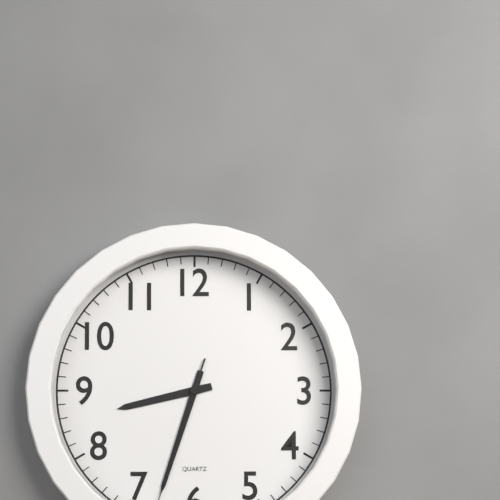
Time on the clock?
8:33
